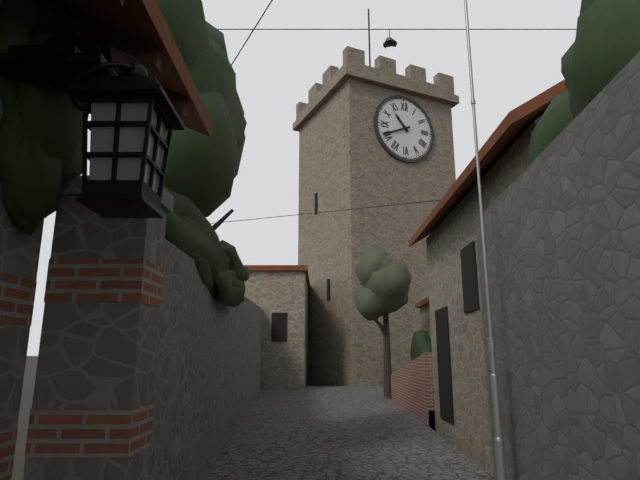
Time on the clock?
10:41
